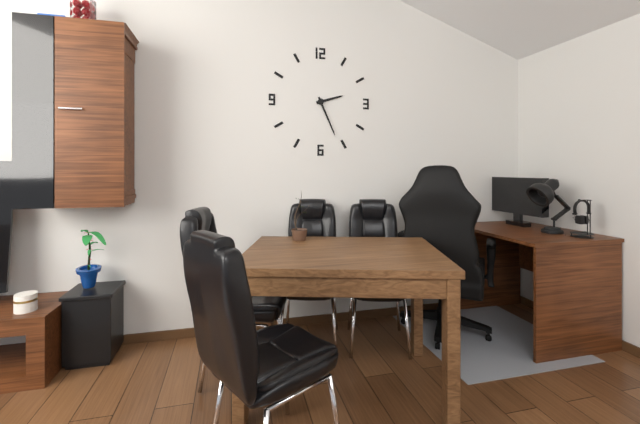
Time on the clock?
2:26
